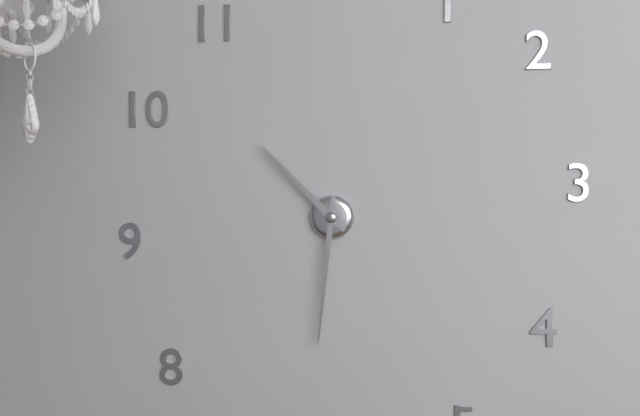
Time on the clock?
10:31
